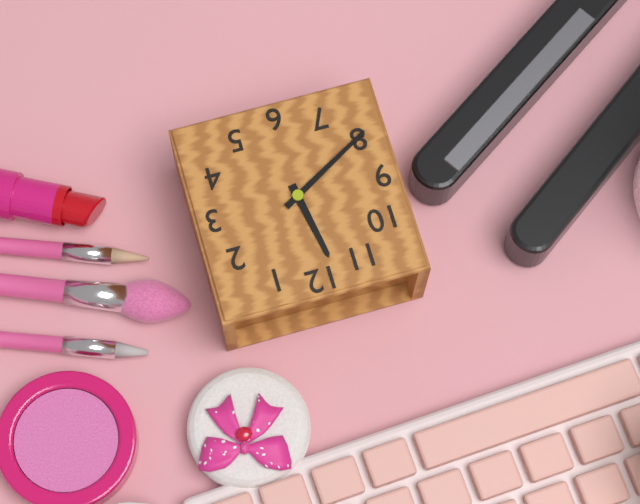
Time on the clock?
11:40
